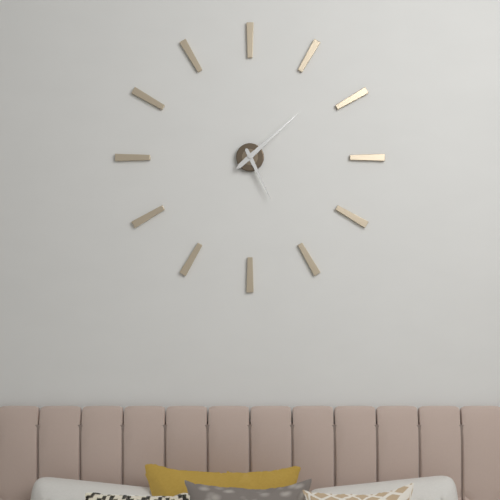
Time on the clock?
5:08
